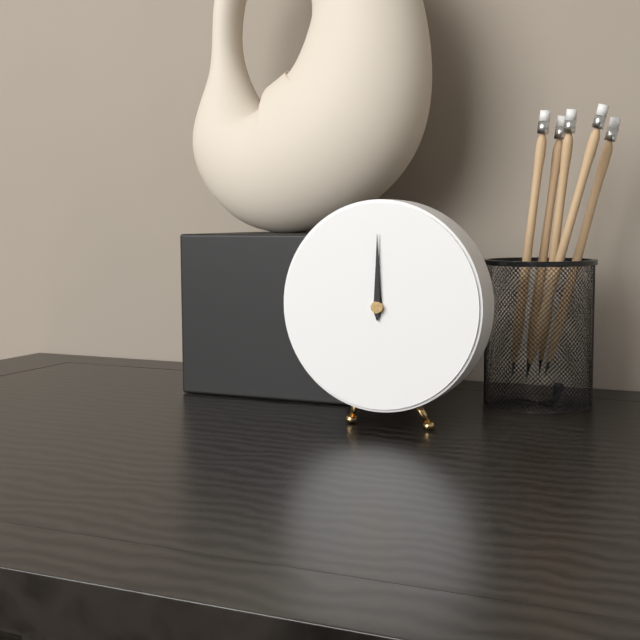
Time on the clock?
12:00
